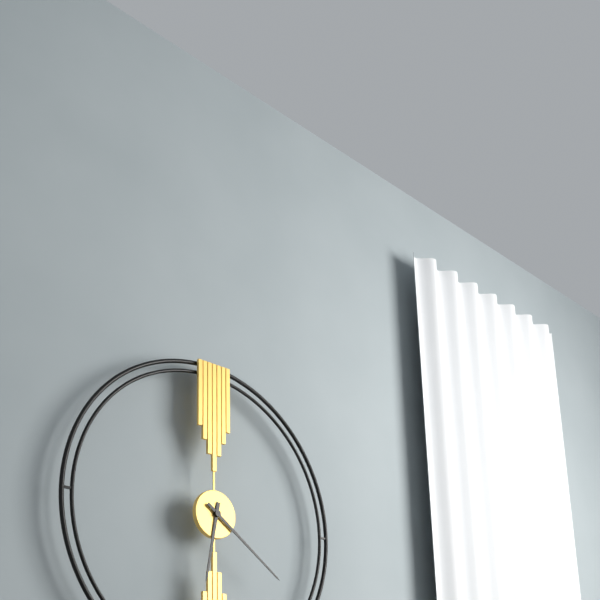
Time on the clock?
6:21
